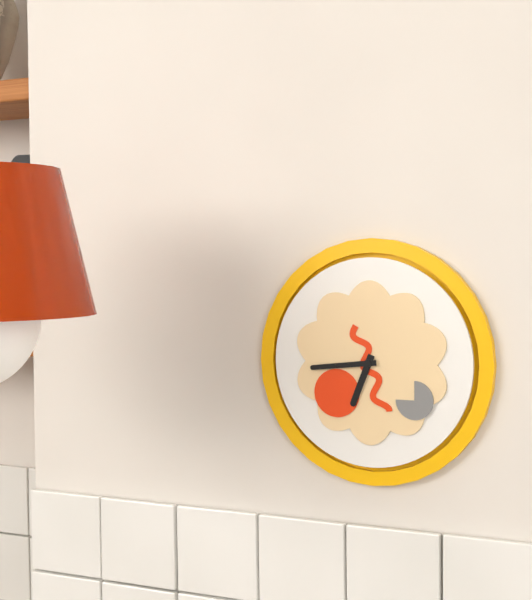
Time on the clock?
6:44
